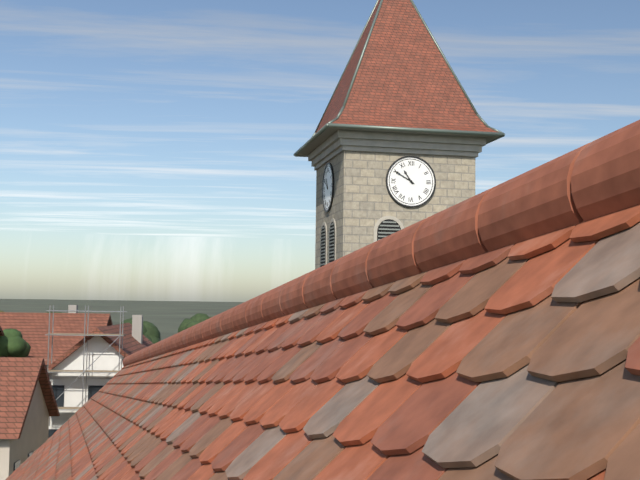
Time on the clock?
10:50
